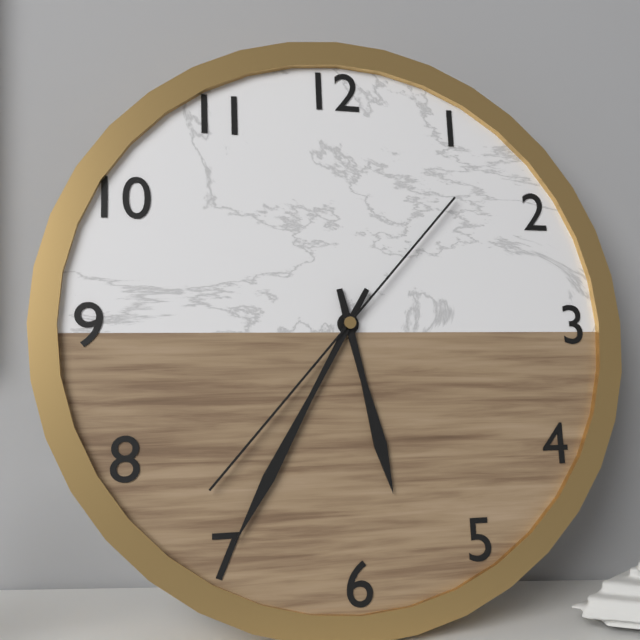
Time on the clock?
5:35:37
